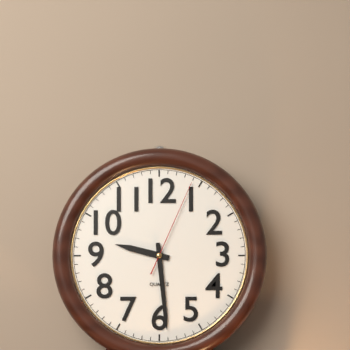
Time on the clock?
9:29:04
